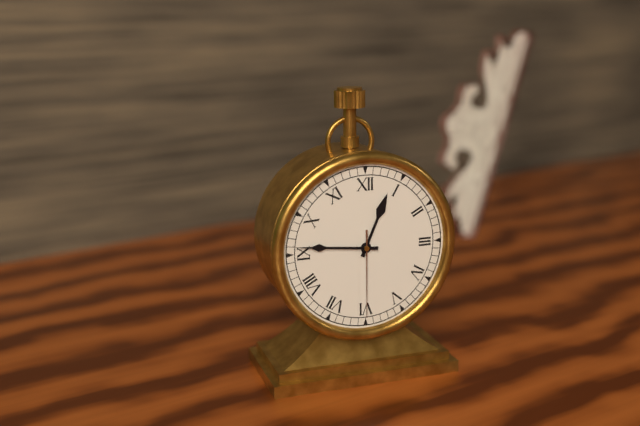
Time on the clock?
12:46:30
